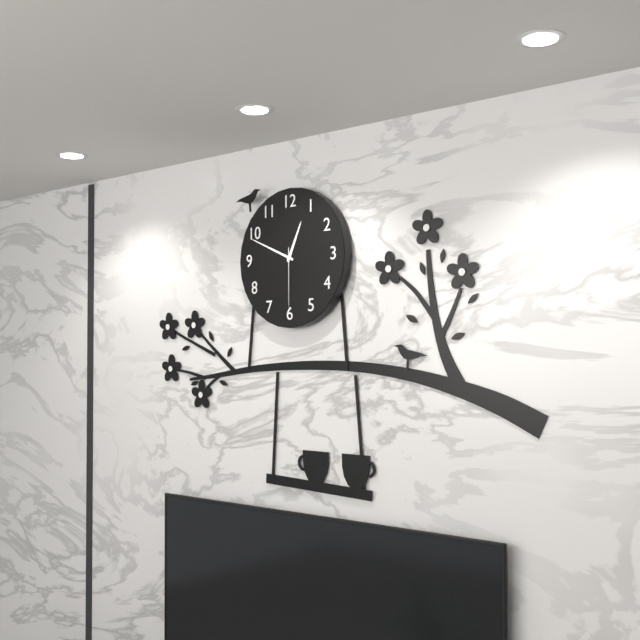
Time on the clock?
12:49:30
